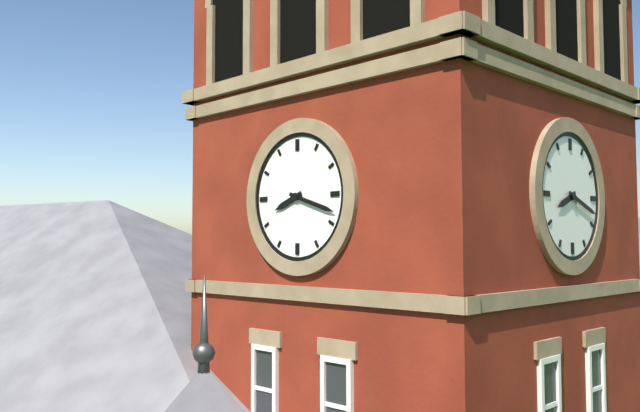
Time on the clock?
8:18
